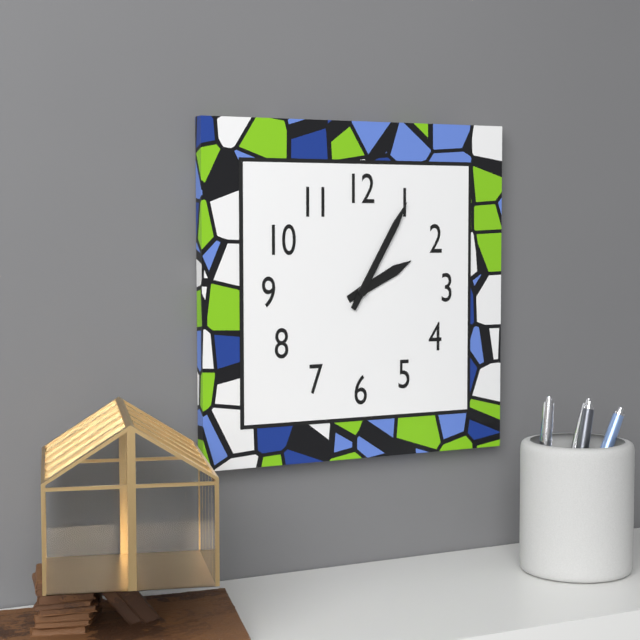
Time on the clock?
2:05
